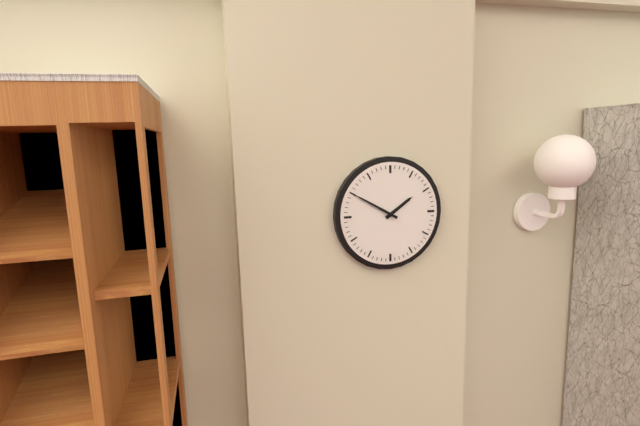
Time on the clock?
1:50
